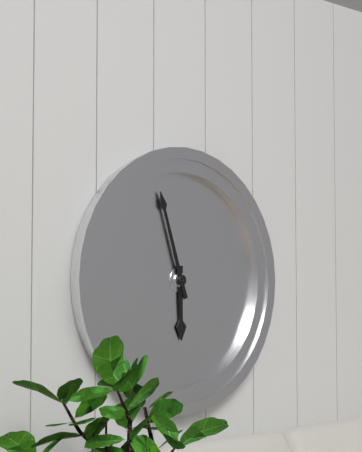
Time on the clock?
5:57
